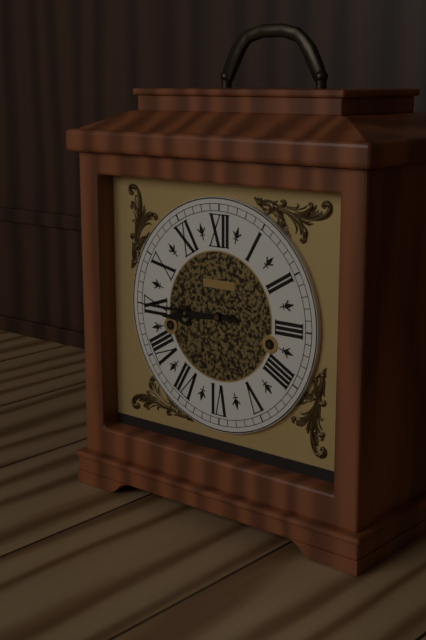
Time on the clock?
8:45
